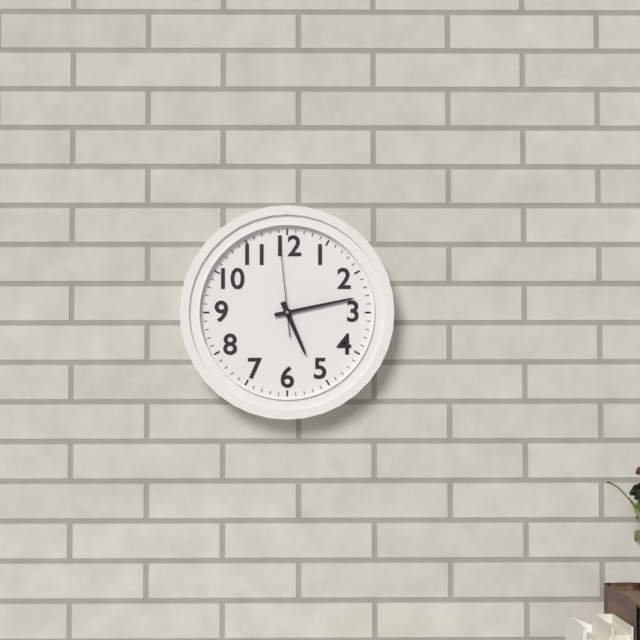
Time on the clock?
5:13:59
